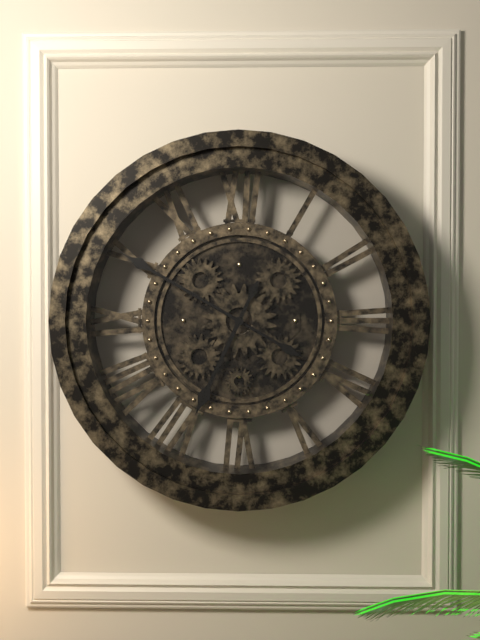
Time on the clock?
6:50
